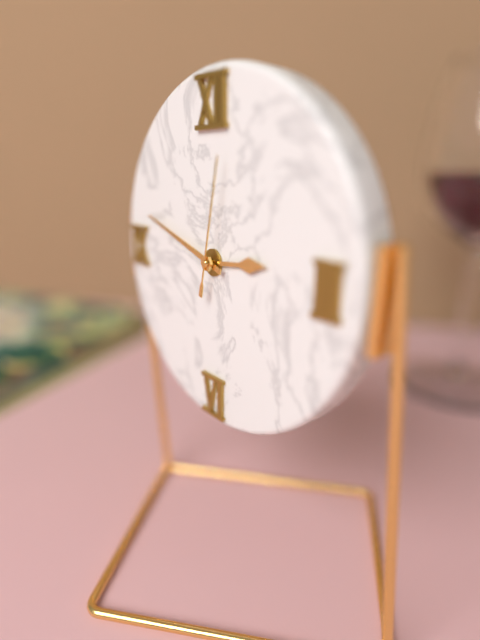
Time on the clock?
2:48:02
